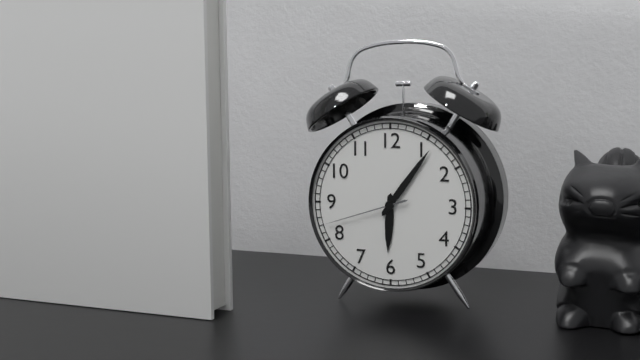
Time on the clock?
6:06:42
